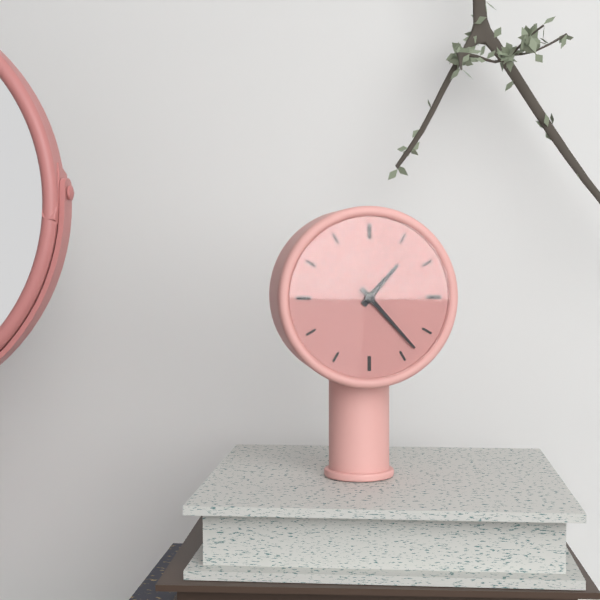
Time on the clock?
1:23
